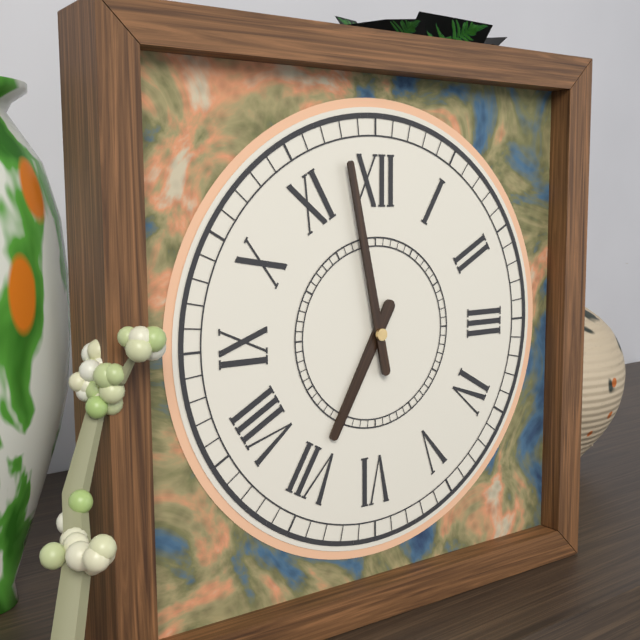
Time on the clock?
6:58
